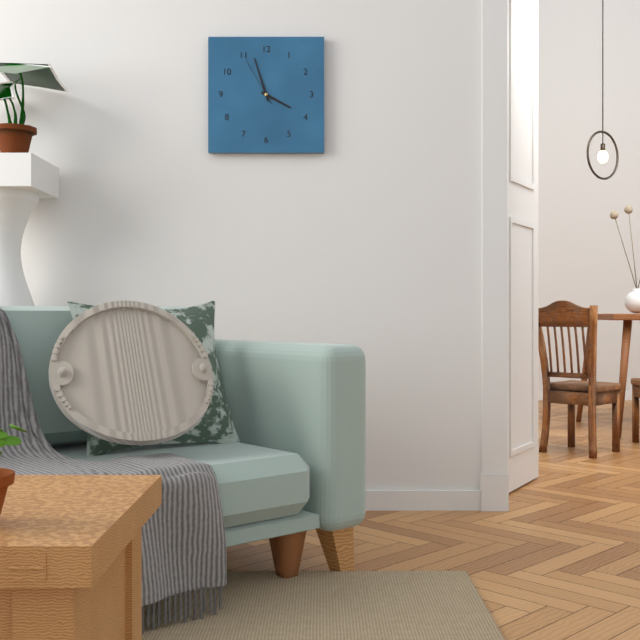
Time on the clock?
3:57:55
